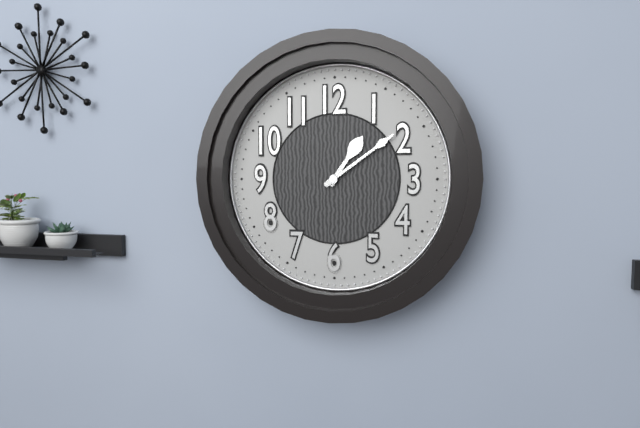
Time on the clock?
1:09
